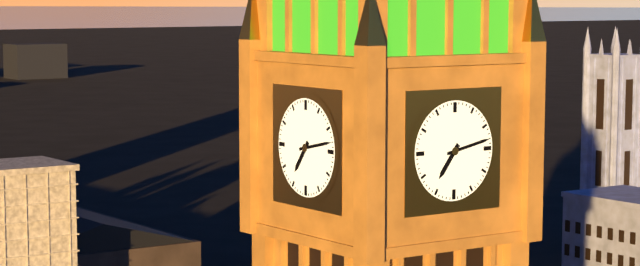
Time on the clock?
7:13
